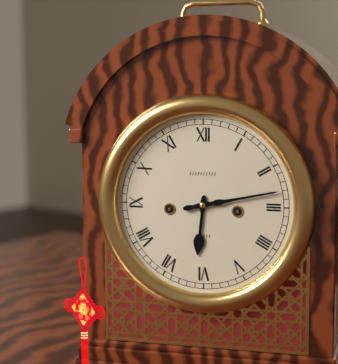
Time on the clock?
6:13
